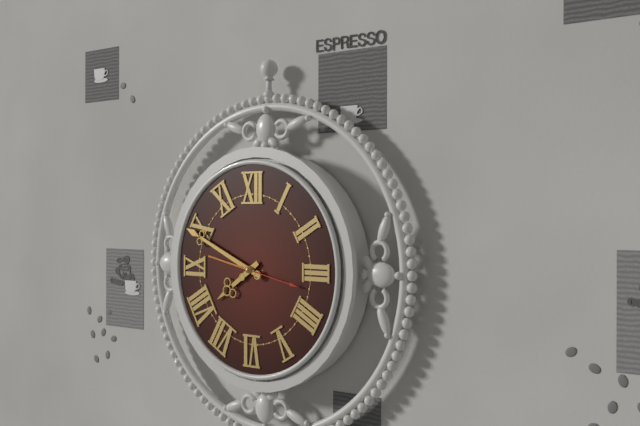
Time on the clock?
7:49
